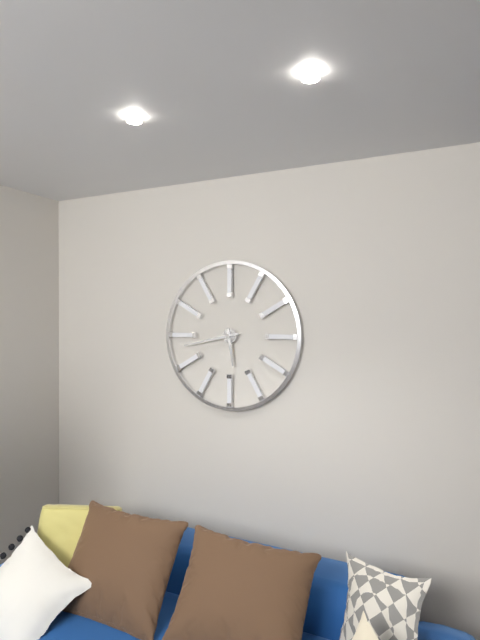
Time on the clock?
5:43
